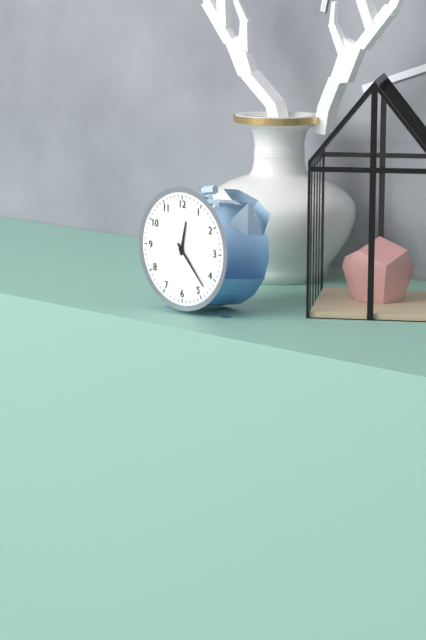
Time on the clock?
12:23
